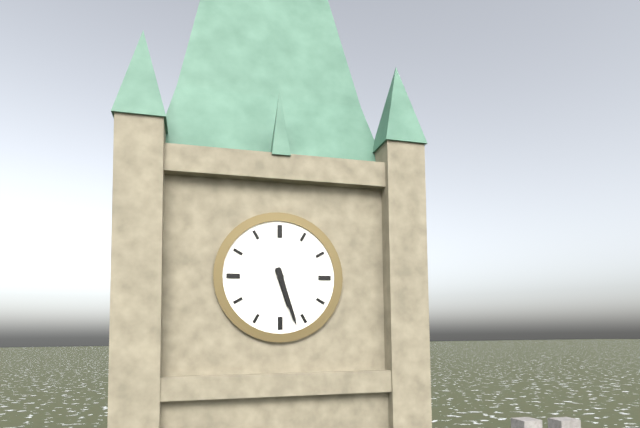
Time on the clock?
5:27
